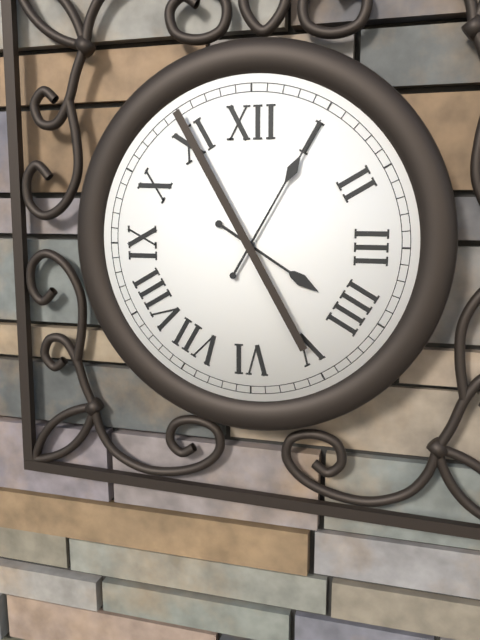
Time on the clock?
4:05
